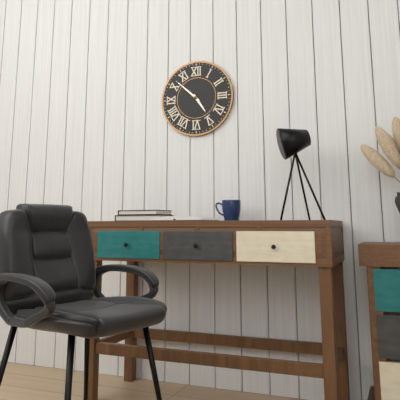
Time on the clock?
4:52
